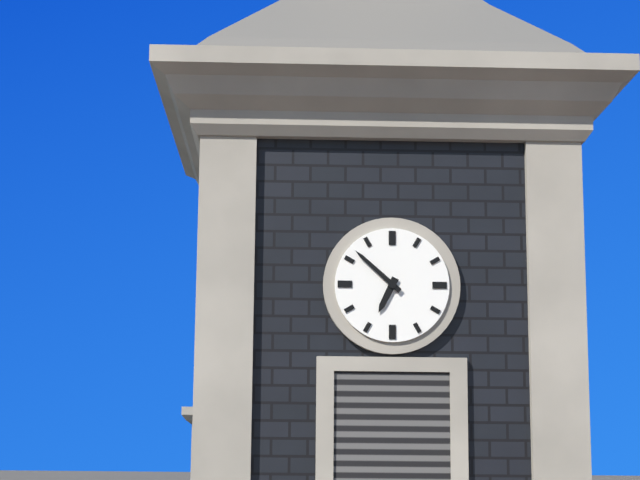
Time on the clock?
6:52
